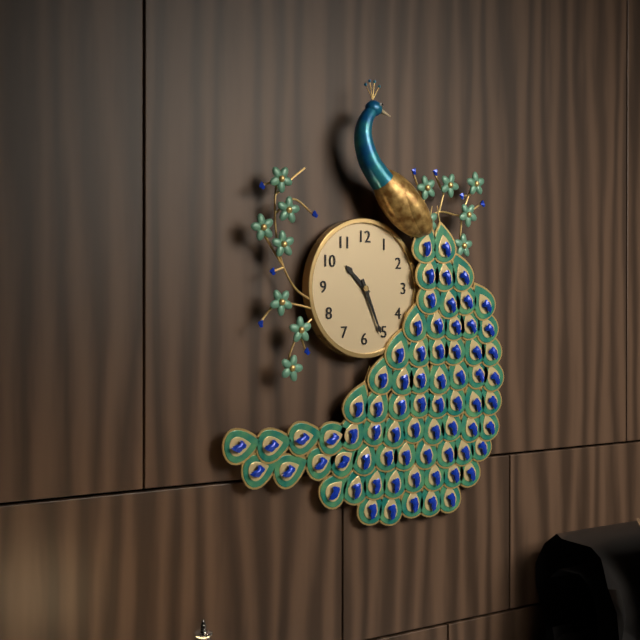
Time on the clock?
10:26
